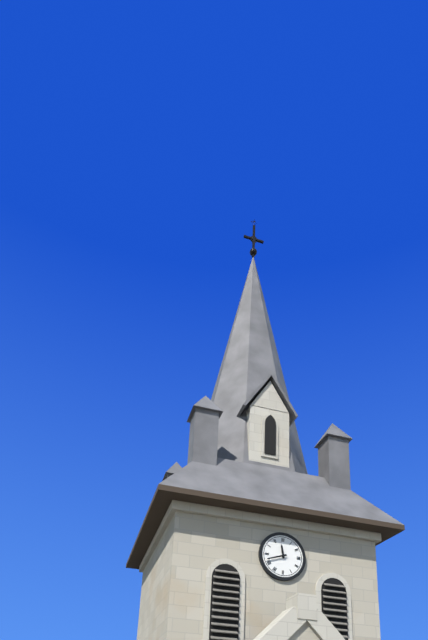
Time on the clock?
11:42
